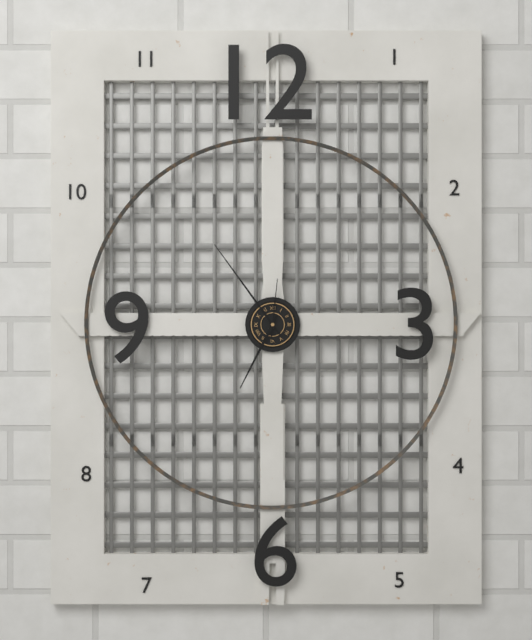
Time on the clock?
6:54:01
